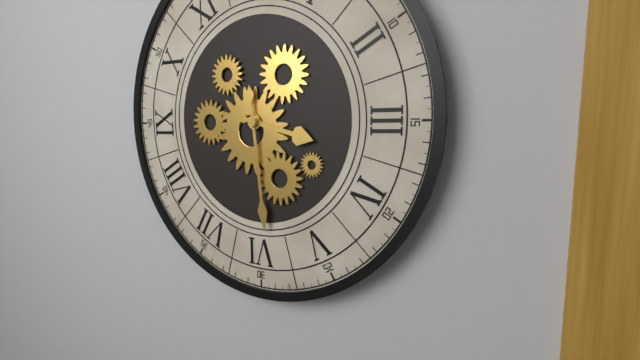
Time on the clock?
3:29
